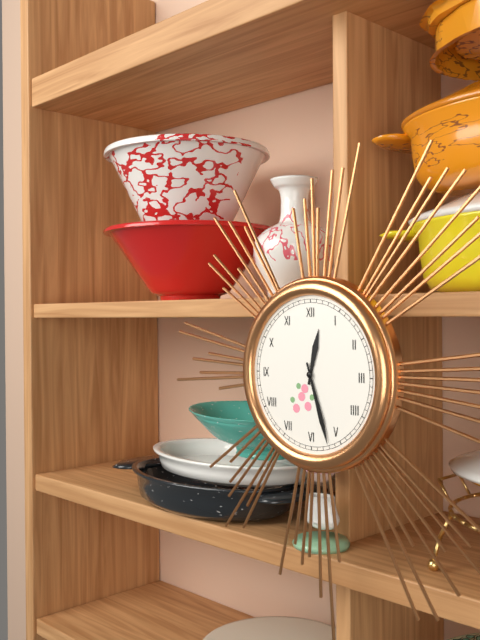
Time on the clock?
12:27
